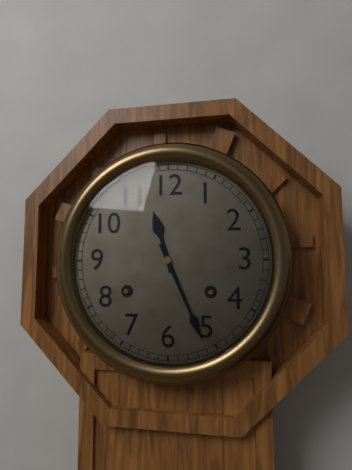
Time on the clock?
11:26
